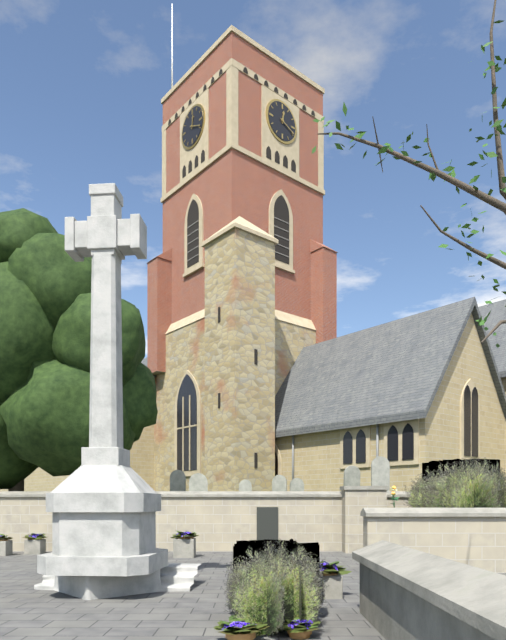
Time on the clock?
12:19
